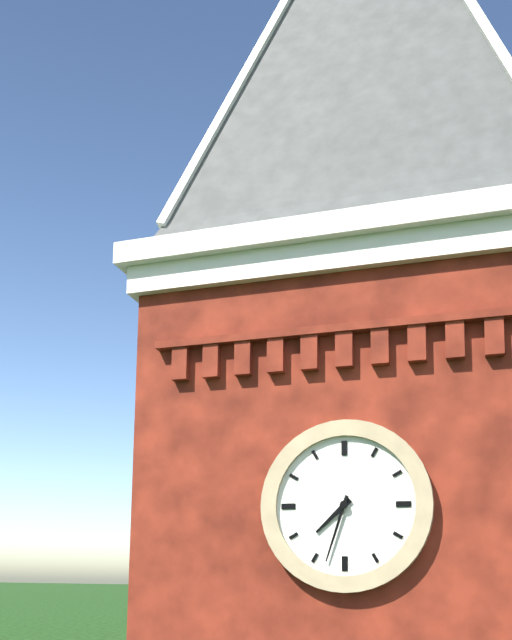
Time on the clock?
7:33
